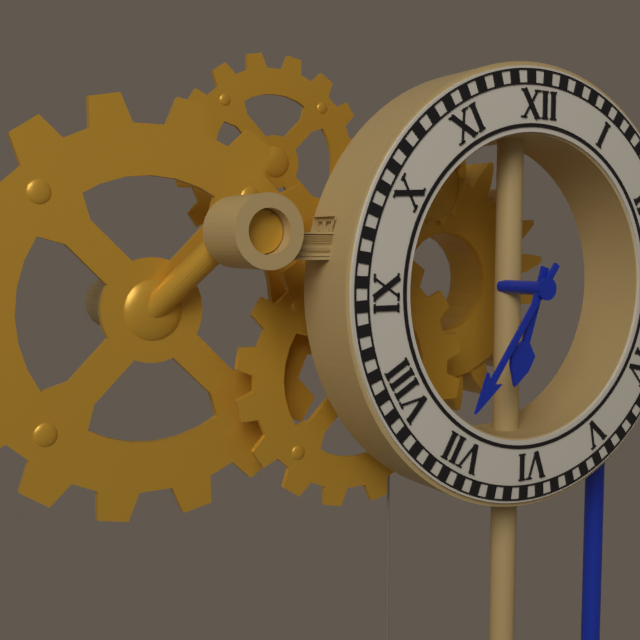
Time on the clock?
6:36
